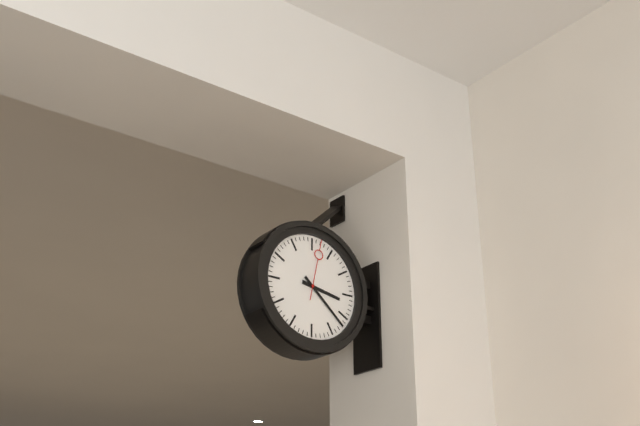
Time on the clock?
3:22:02
